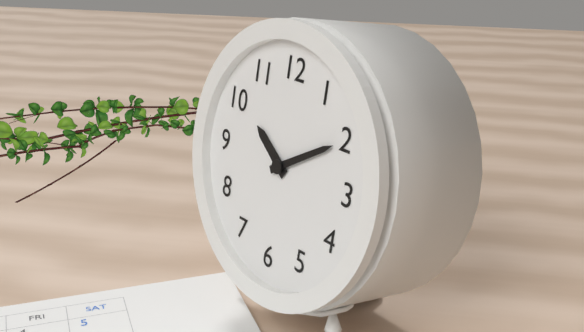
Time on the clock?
10:10
